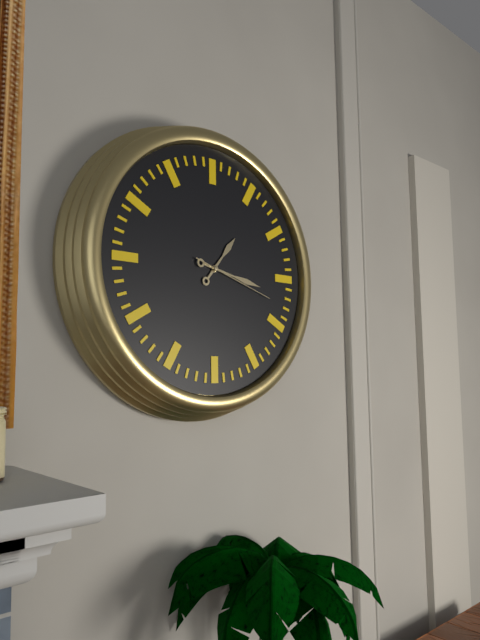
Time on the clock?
1:17:18
